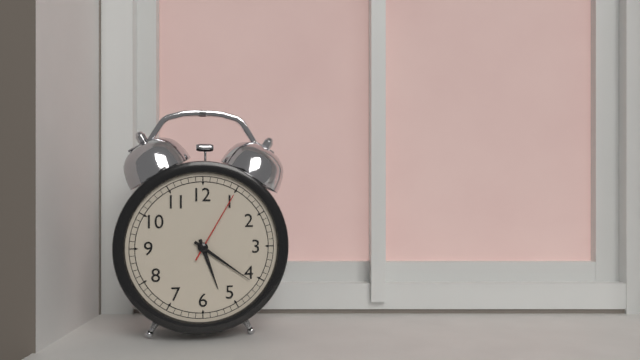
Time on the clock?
5:21:05
